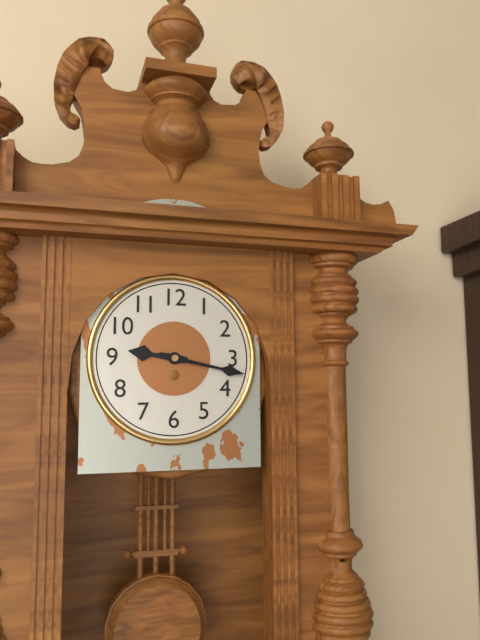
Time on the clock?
9:17
